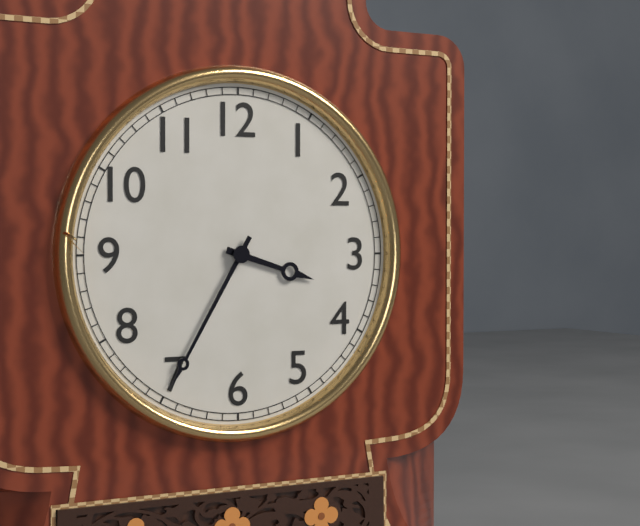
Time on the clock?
3:35
